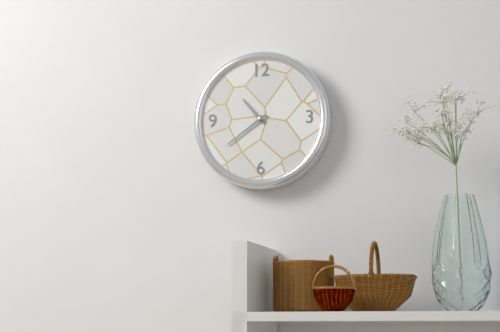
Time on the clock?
10:39
